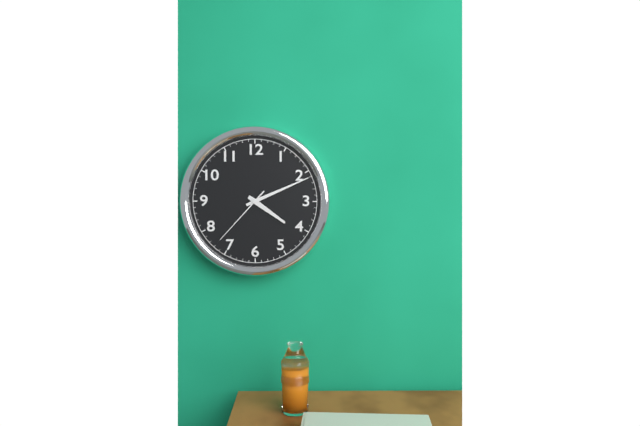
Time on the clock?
4:11:37
